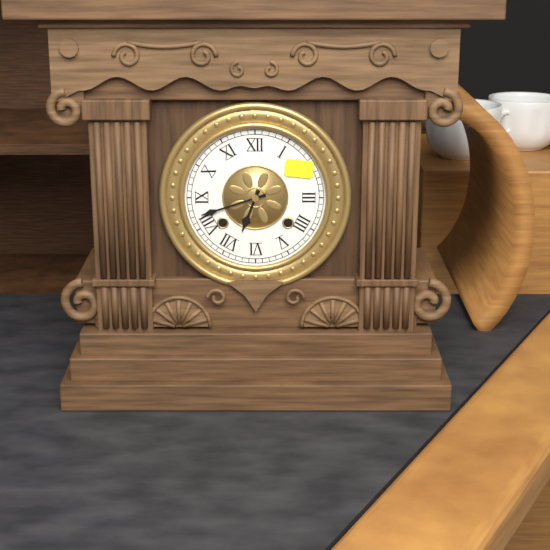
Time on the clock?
6:42
